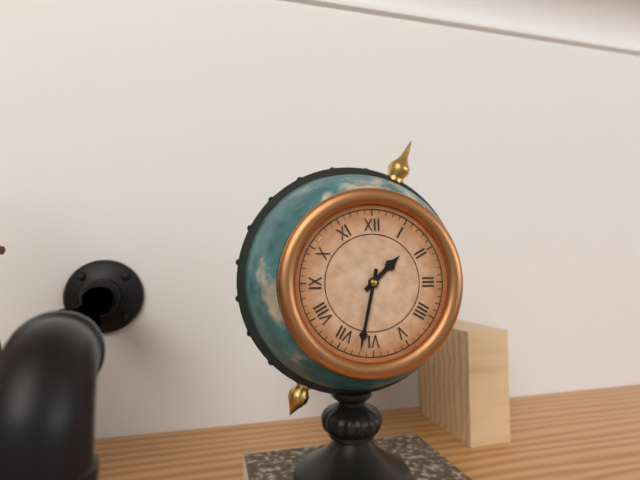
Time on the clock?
1:32
